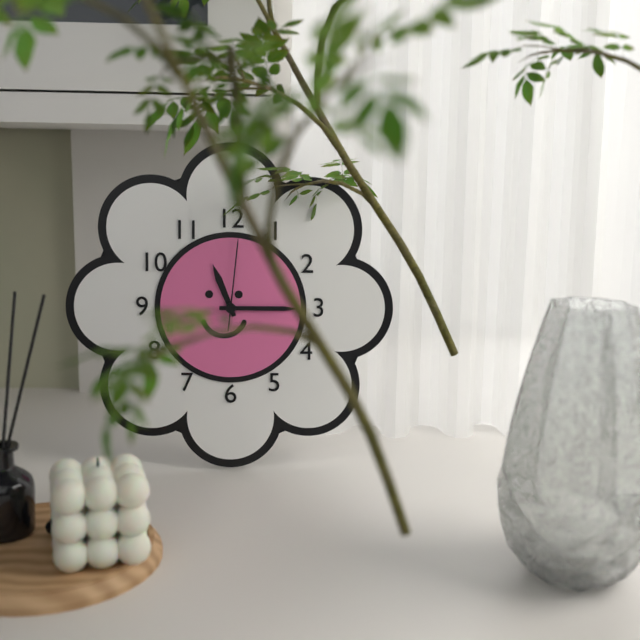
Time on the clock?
11:15:01
